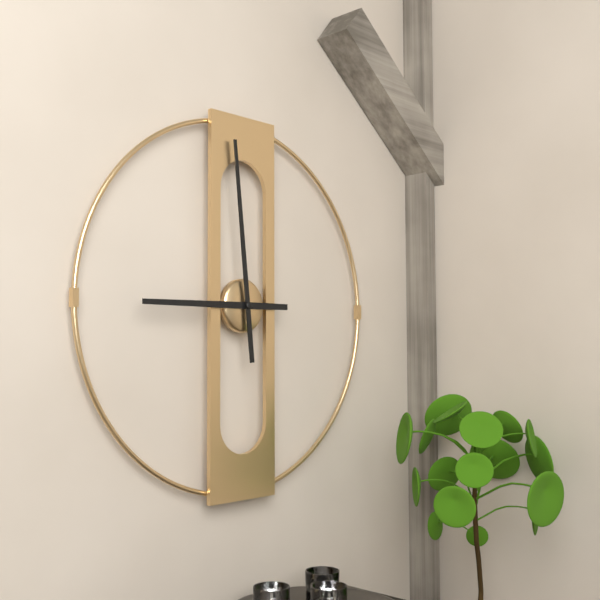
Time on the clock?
8:59
